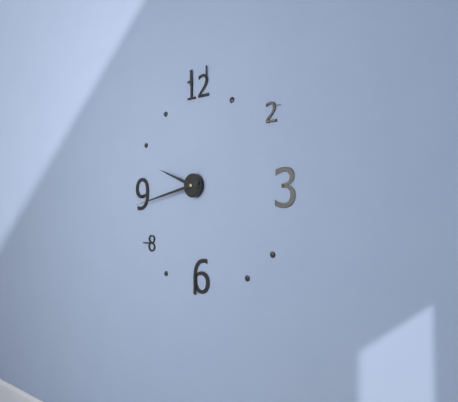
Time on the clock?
9:43
